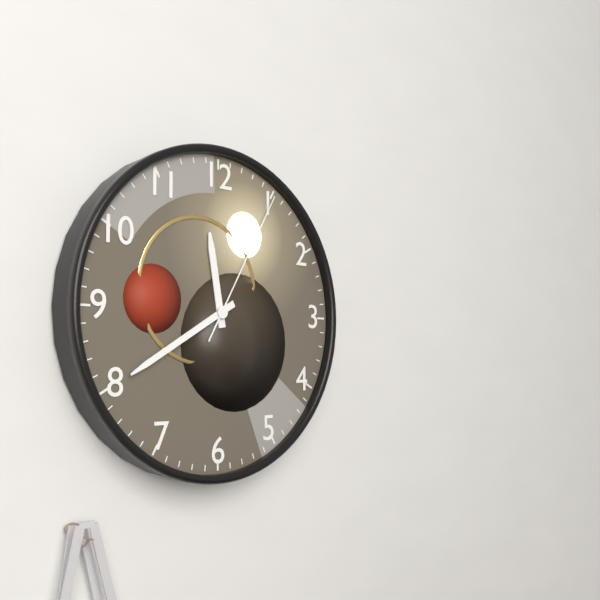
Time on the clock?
11:40:05
